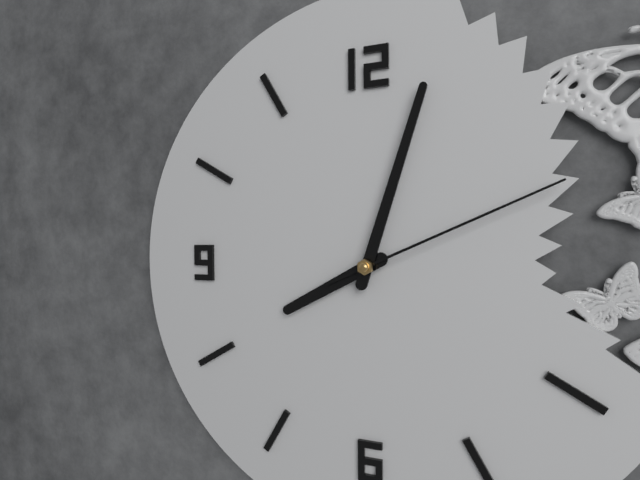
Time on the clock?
8:03:11
